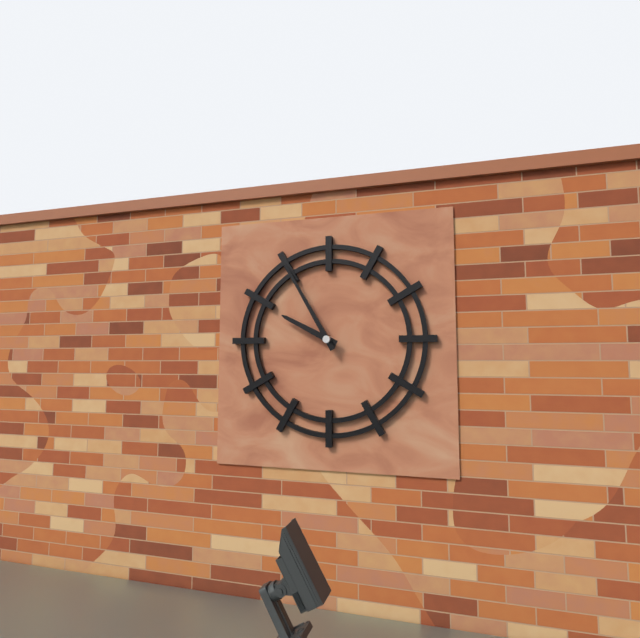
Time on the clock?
9:55
